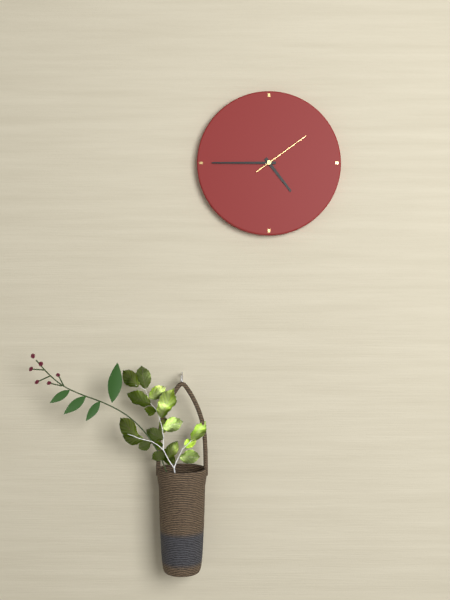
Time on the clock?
4:45:09
